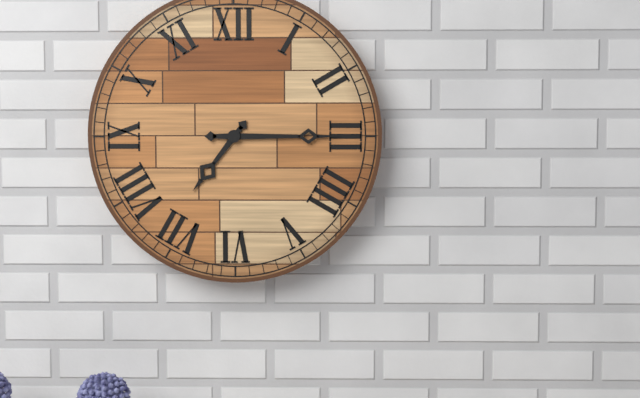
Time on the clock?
7:15
